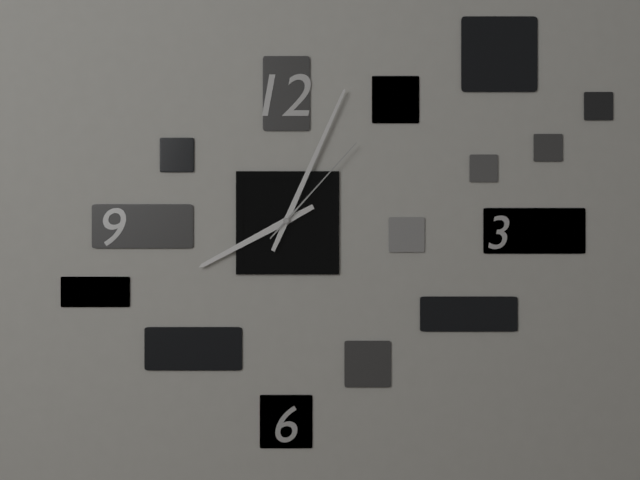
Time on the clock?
8:04:07
